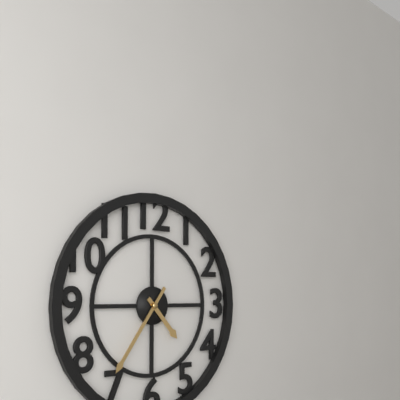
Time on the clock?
4:36
